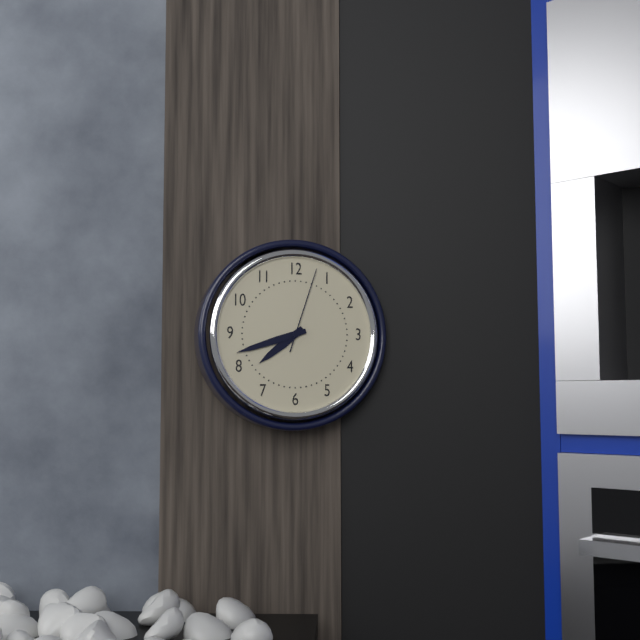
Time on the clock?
7:42:03
